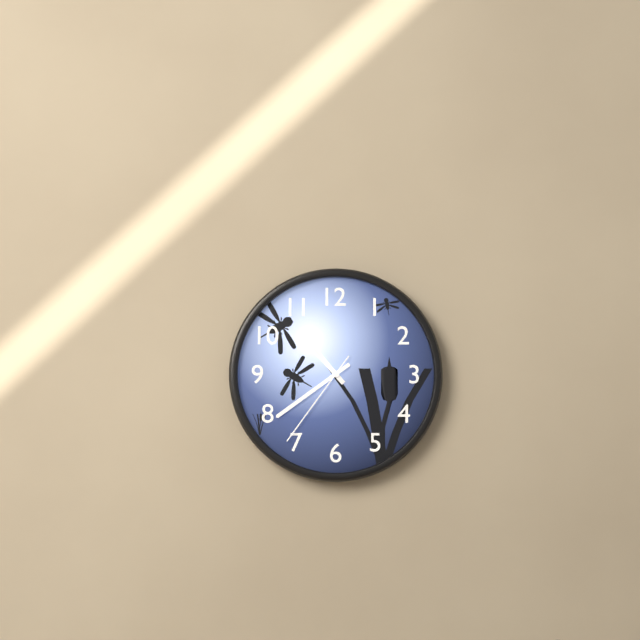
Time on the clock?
10:39:36
